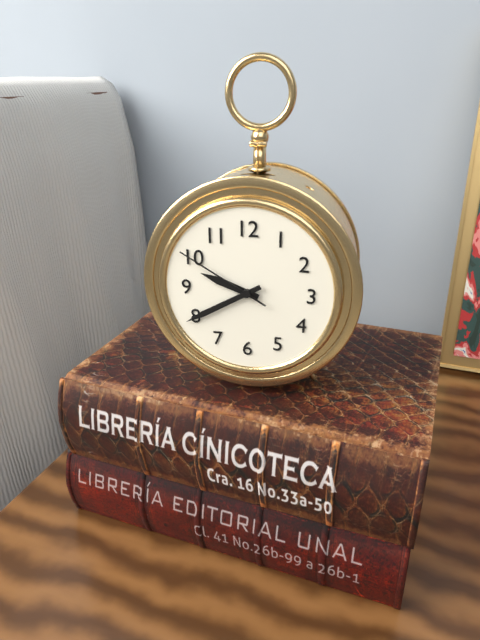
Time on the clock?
9:40:50
